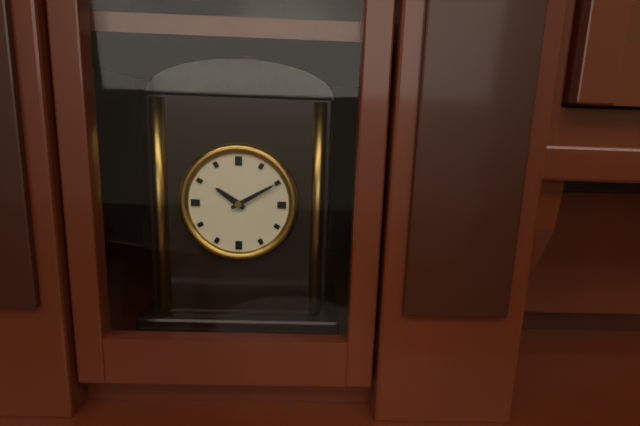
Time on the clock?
10:10
